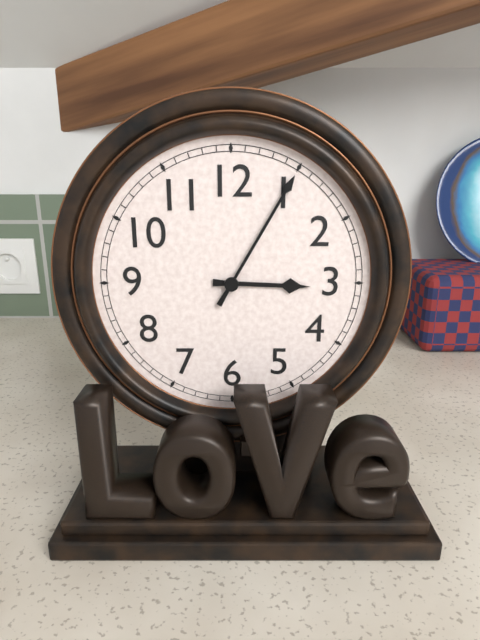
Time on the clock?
3:05
